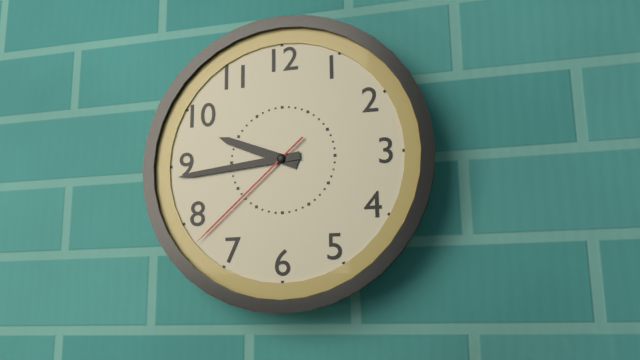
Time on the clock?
9:44:38
